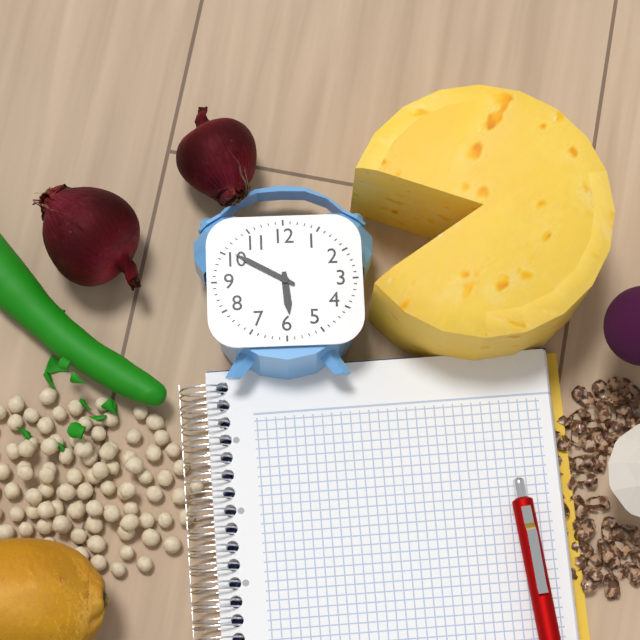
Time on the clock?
5:50
